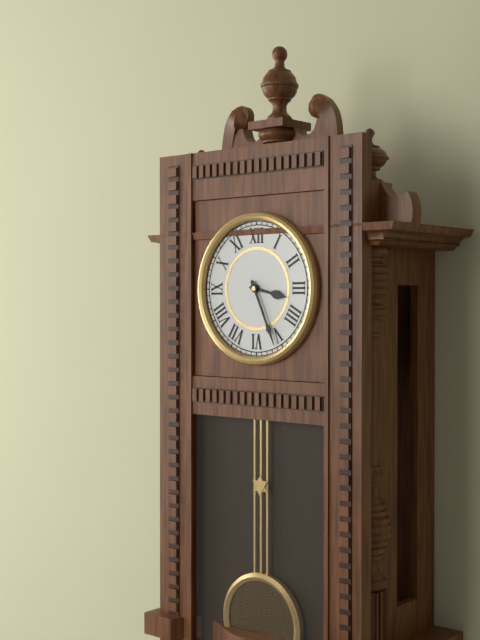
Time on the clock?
3:26
